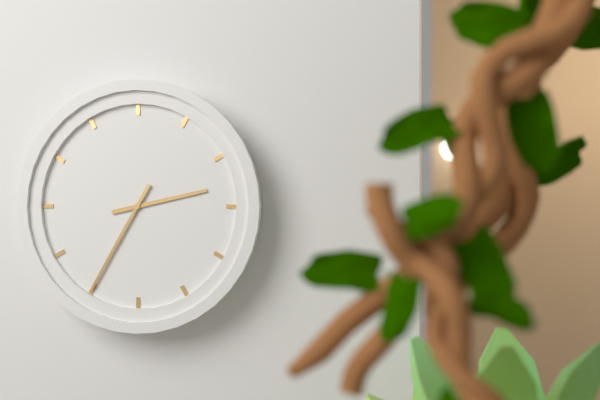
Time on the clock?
2:35
